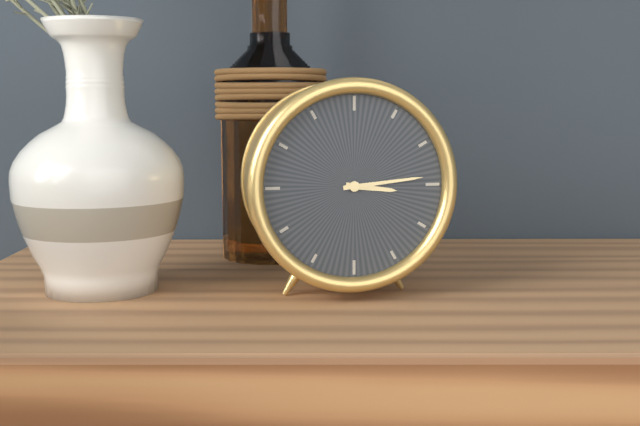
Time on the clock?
3:14
